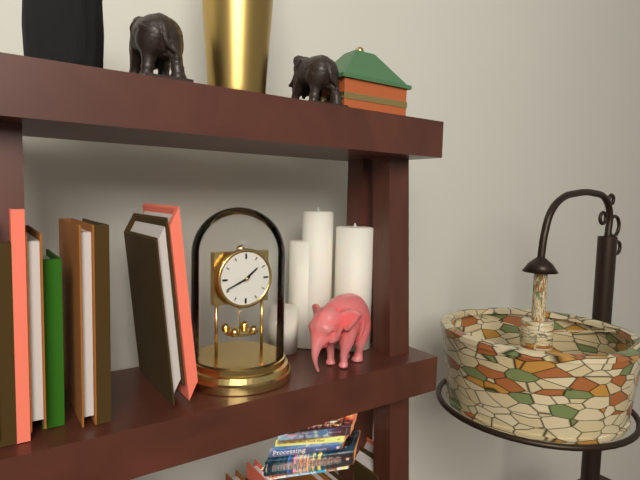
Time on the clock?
1:41
